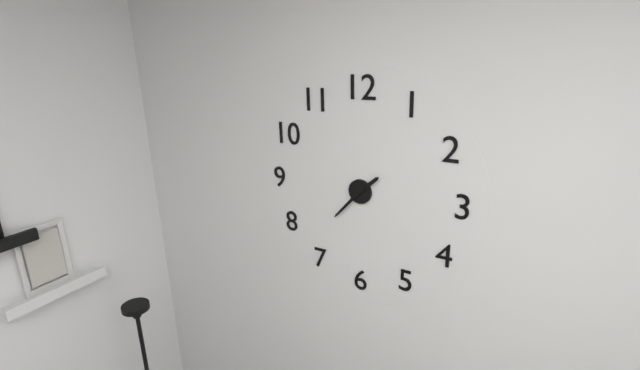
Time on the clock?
1:37
